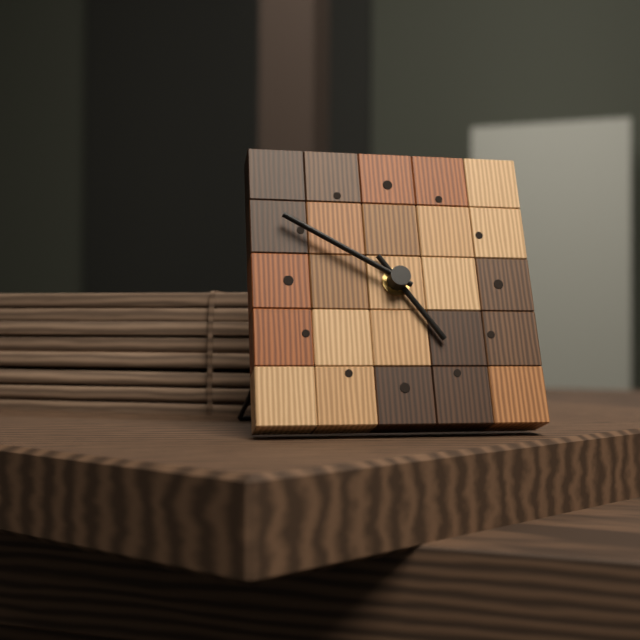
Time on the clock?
4:50
